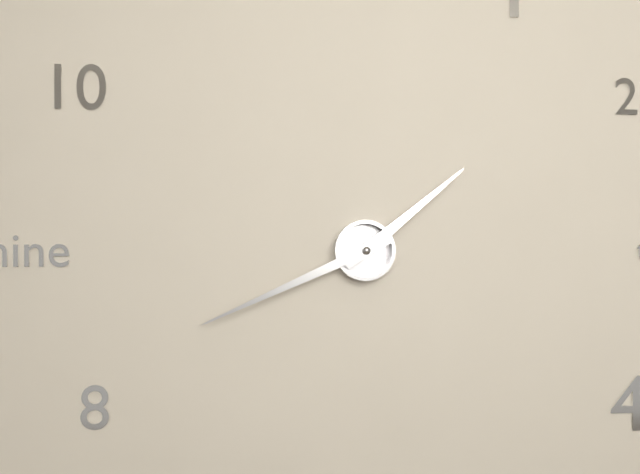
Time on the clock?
1:41
